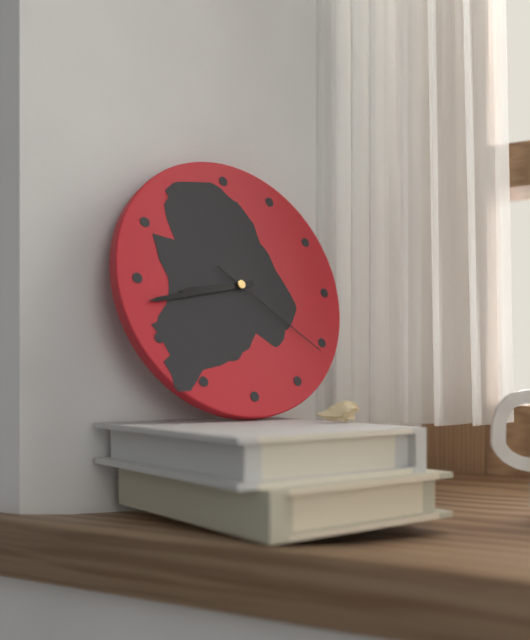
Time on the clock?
8:43:21
